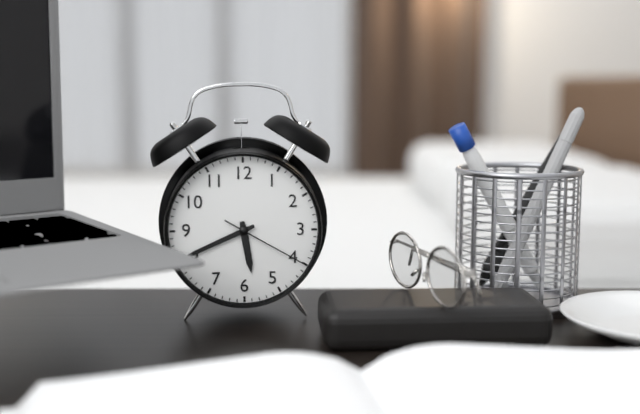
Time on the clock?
5:41:20
